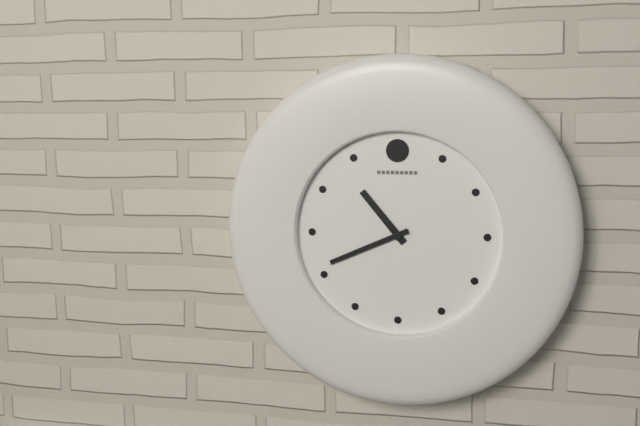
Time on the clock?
10:41
